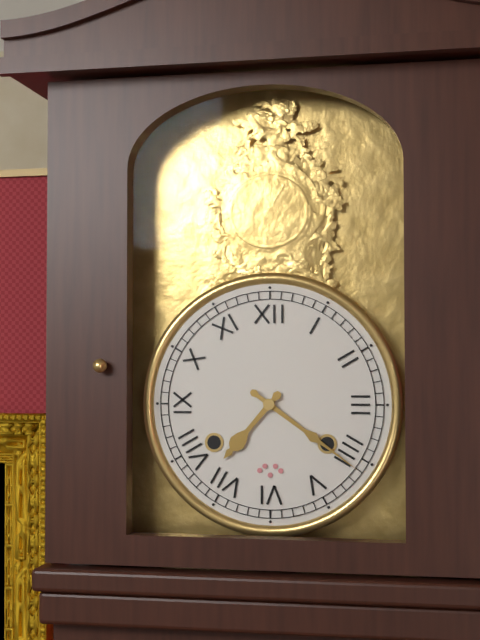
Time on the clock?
7:21
